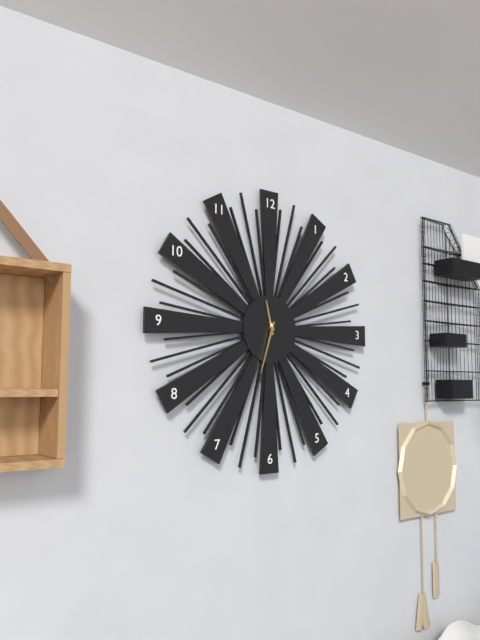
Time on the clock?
11:33
